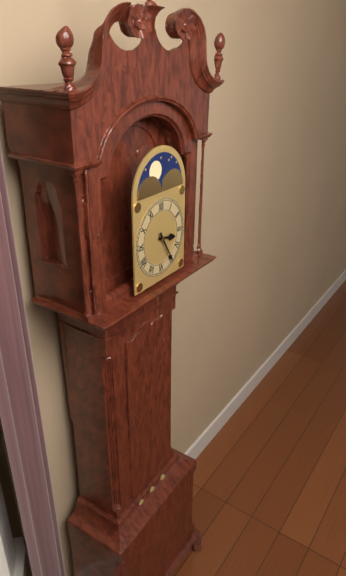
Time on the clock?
3:25
